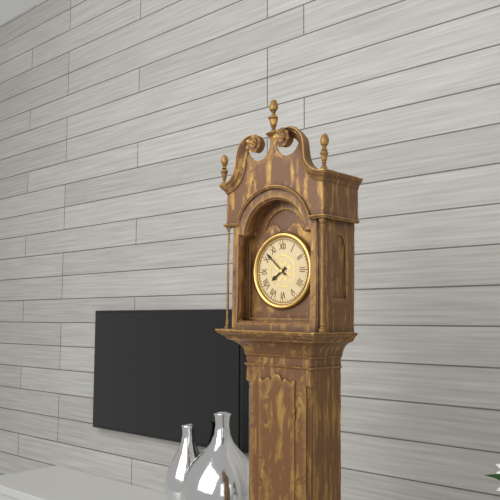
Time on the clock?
7:52
